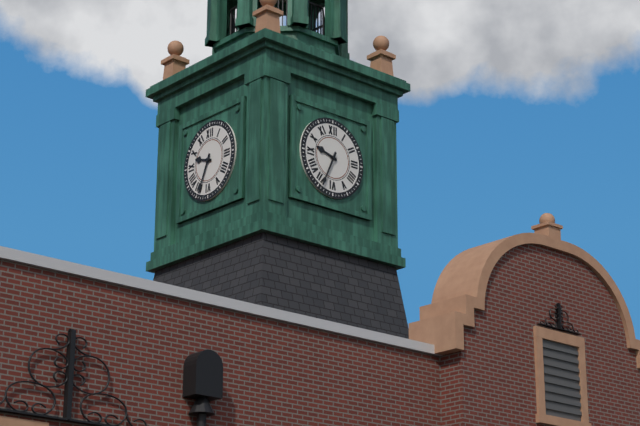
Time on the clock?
9:34
